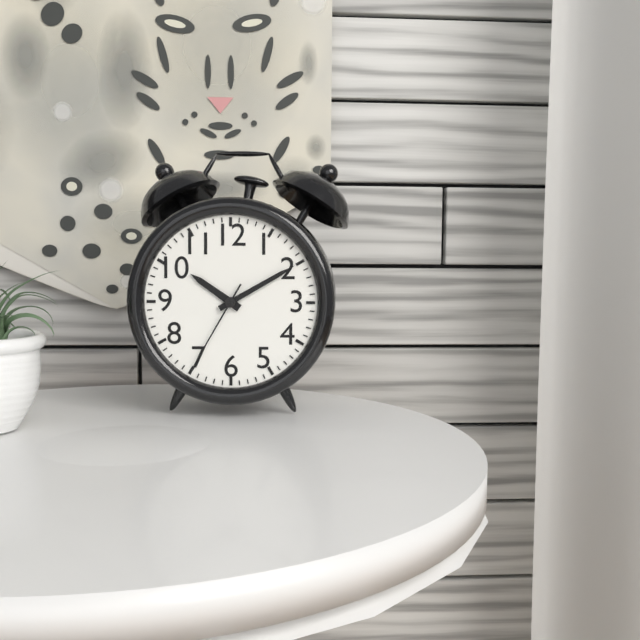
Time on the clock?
10:10:35
